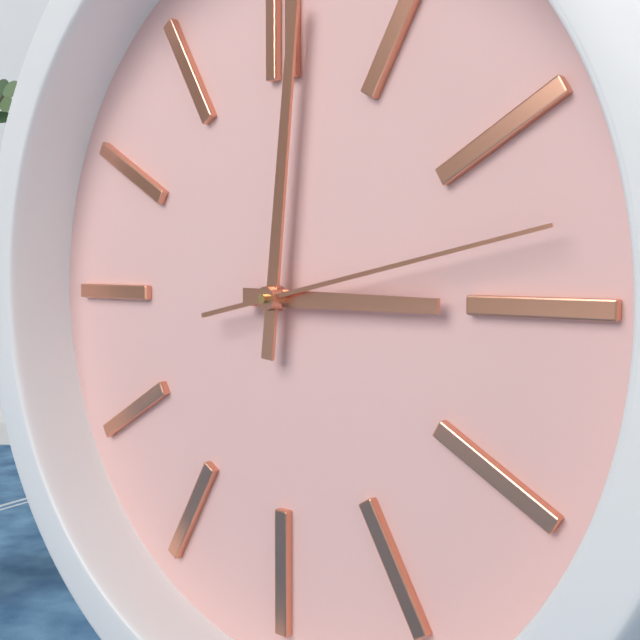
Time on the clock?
3:01:13
